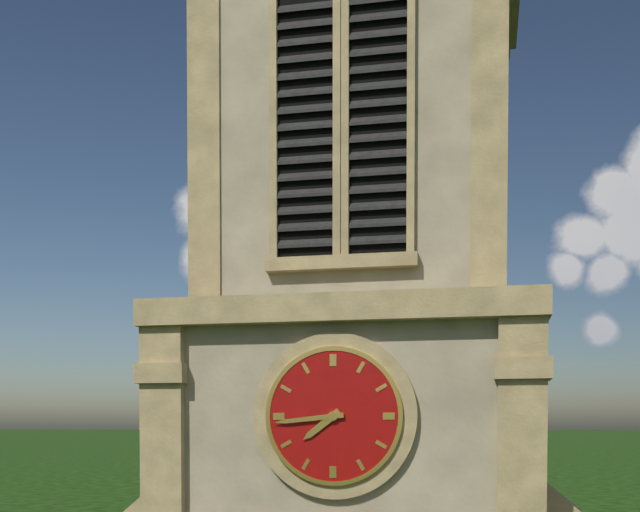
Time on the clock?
7:44
